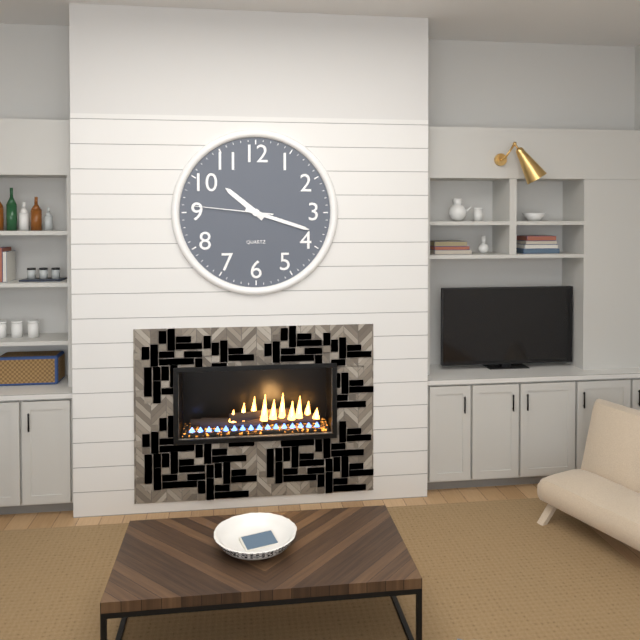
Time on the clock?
10:18:46
